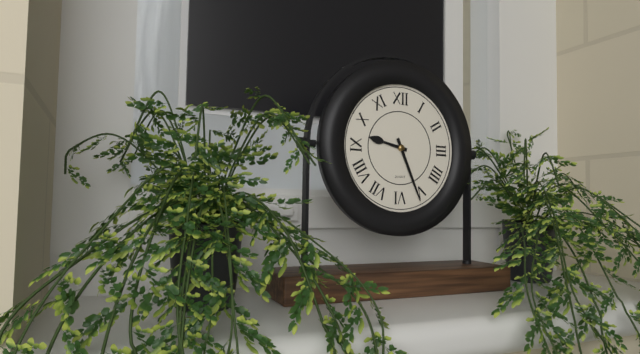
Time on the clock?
9:26
